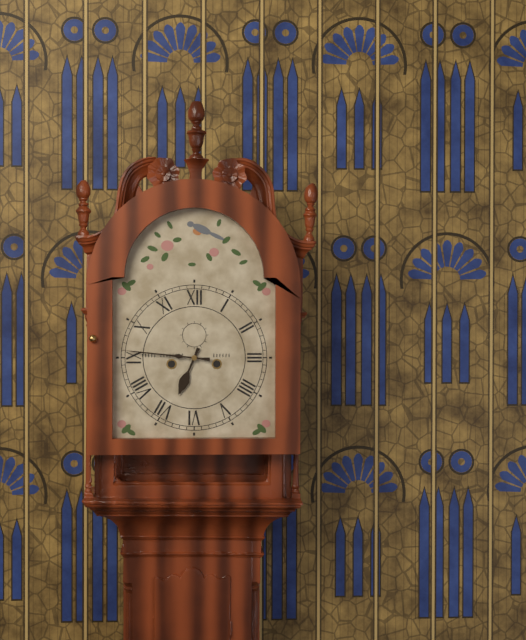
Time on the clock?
6:46
